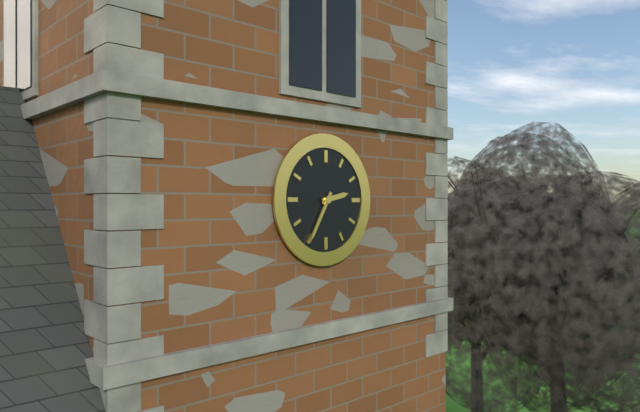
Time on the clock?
2:35
